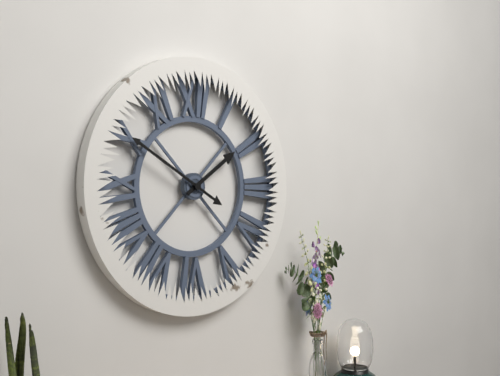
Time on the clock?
1:50
